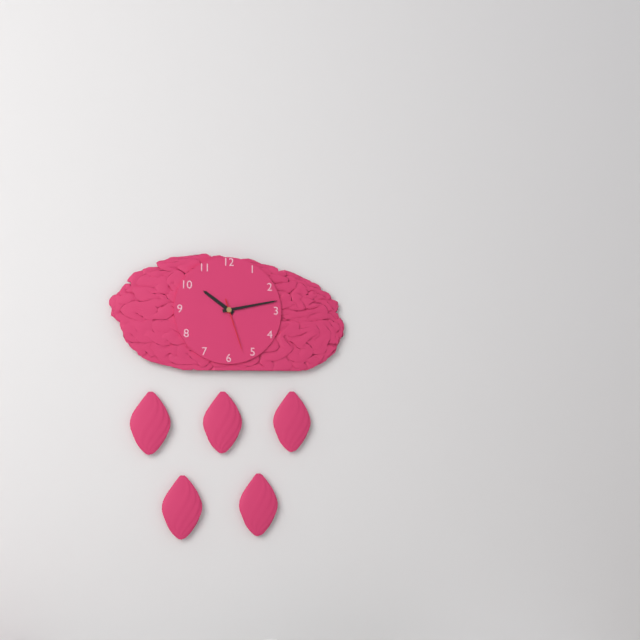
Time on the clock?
10:13:27
